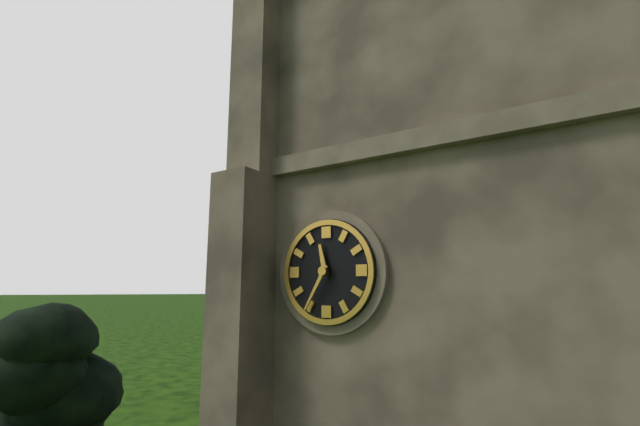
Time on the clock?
11:35
